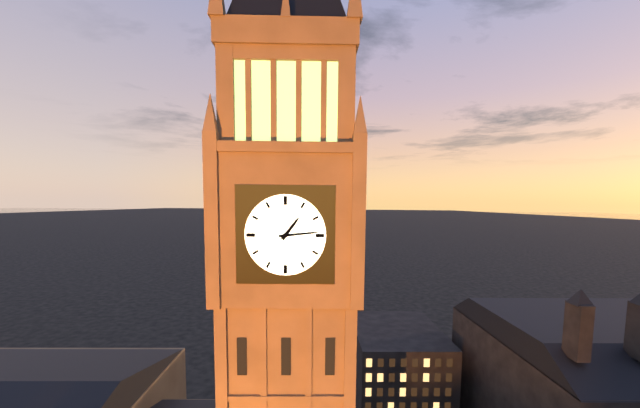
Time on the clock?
1:14
